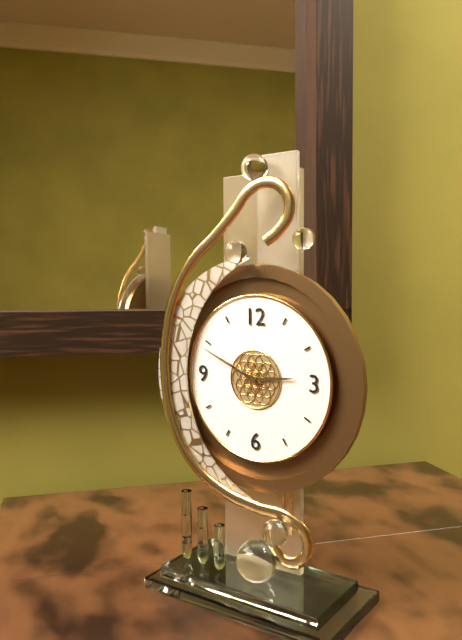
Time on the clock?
2:49:49
